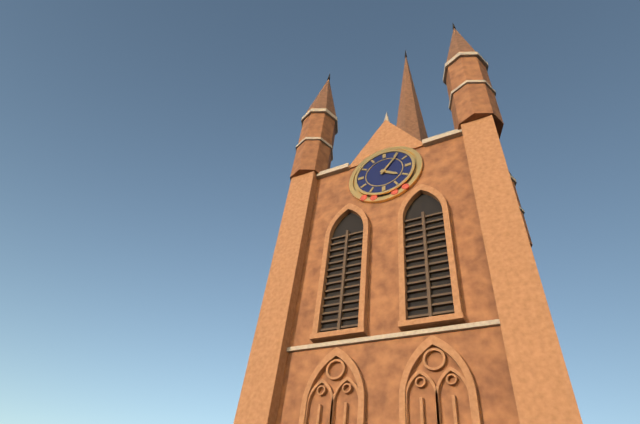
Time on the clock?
4:06
